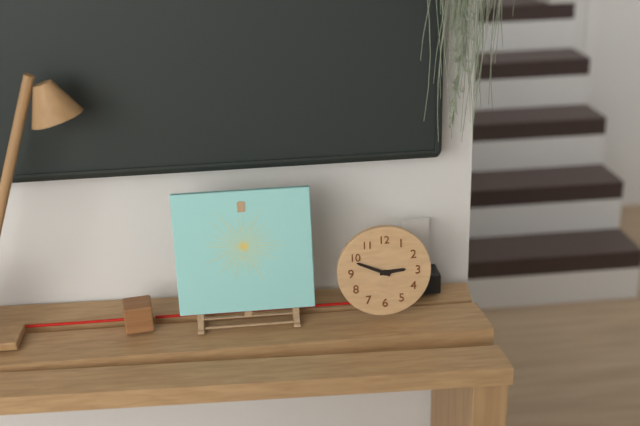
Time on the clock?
2:49
